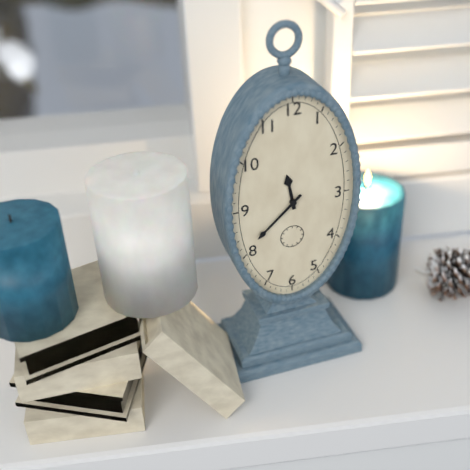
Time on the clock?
11:38
